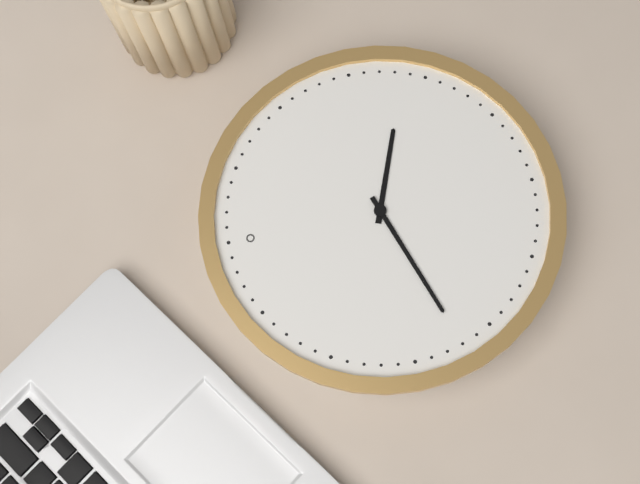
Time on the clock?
3:42
